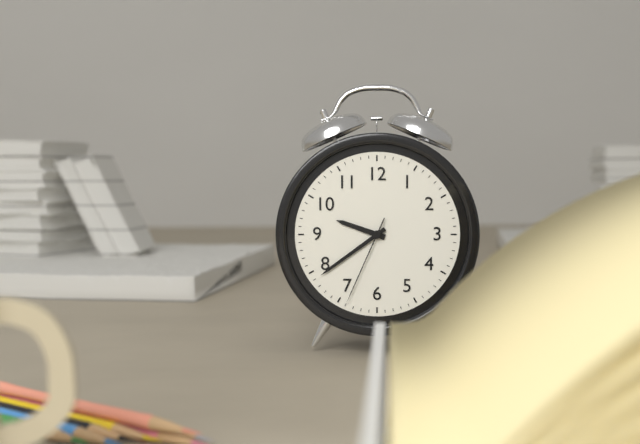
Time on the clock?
9:39:34
